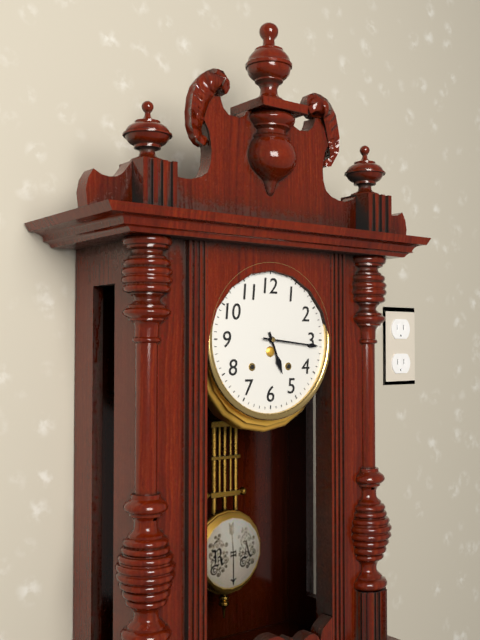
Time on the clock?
5:16
